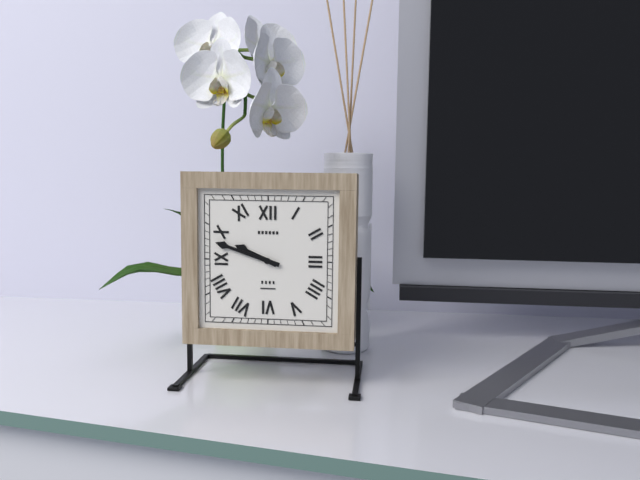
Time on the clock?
9:48
